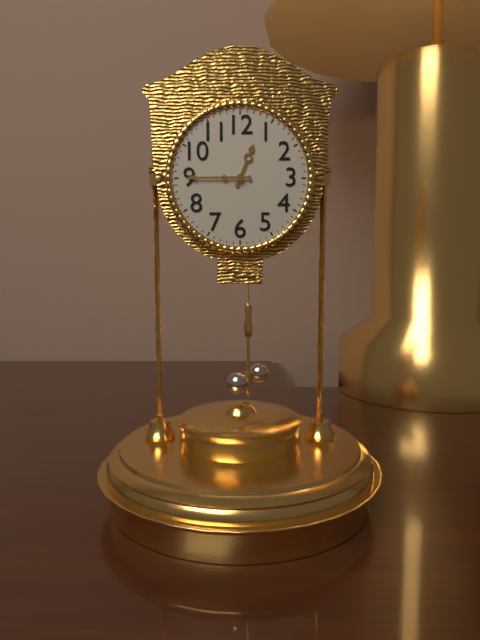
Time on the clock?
12:45
